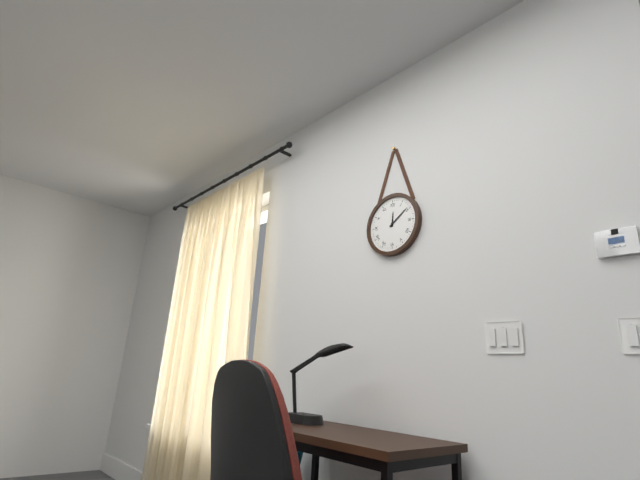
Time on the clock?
12:09
